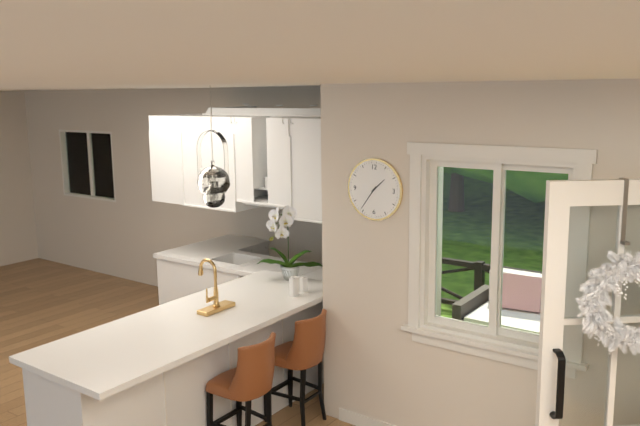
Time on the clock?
1:36
